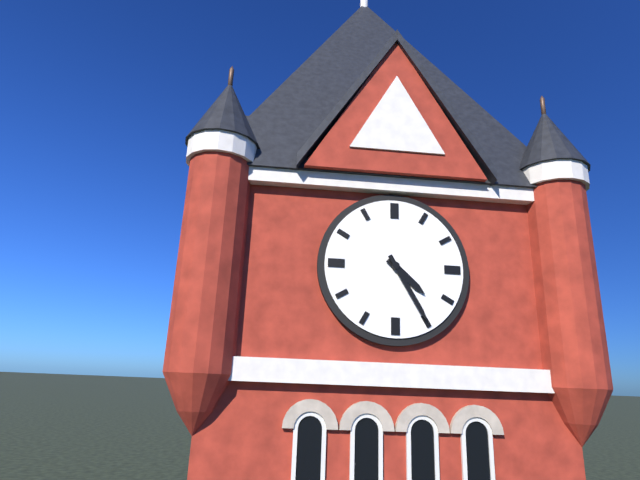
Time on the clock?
4:25
